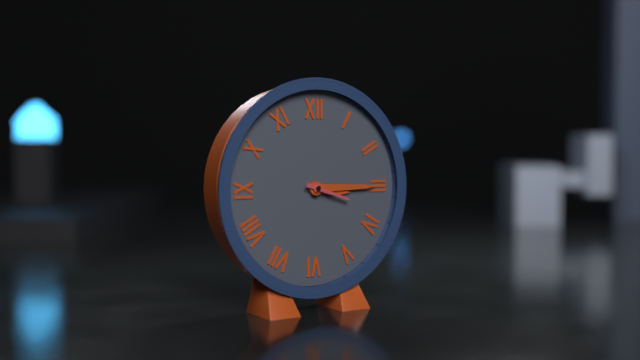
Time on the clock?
3:15:18
